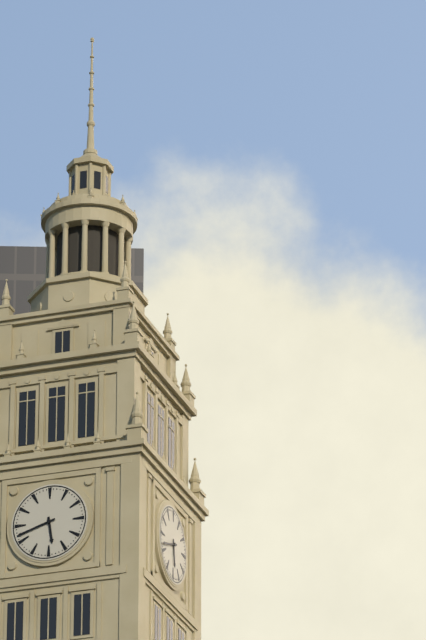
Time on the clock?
5:42
